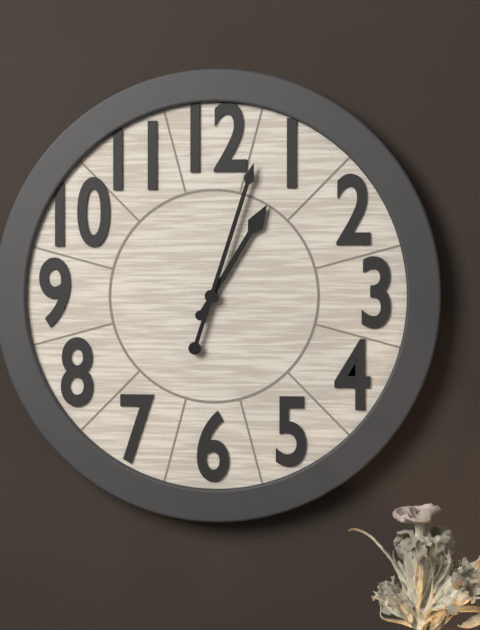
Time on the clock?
1:03
